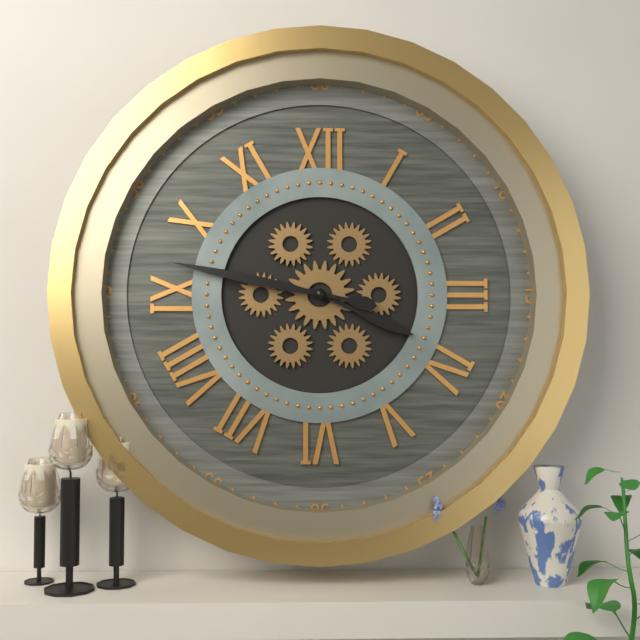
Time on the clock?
3:47
